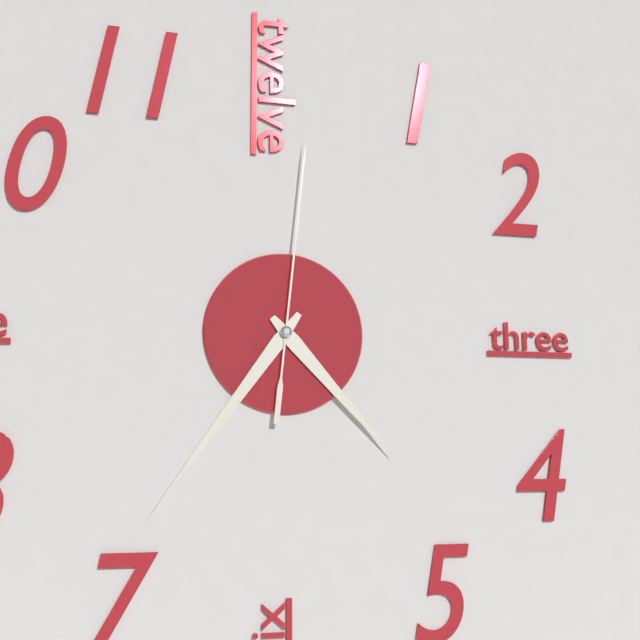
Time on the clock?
4:36:01
